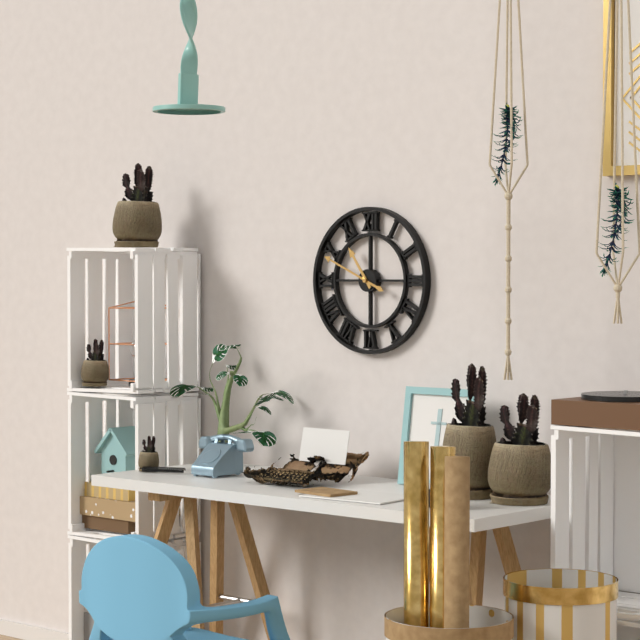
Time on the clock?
10:49
